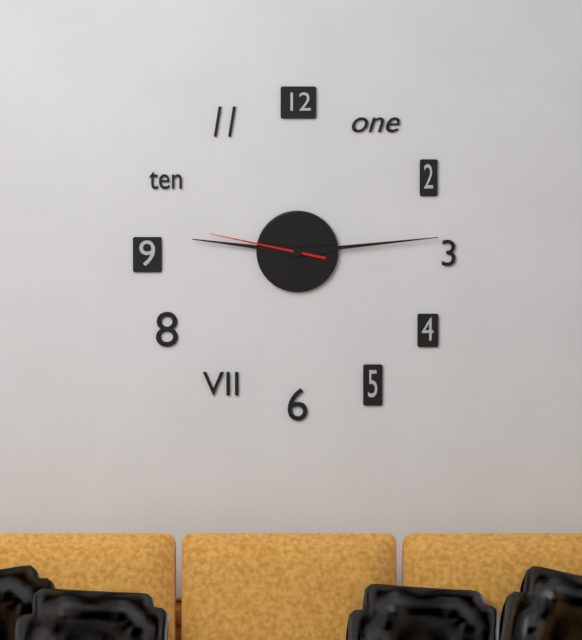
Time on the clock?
9:14:47
